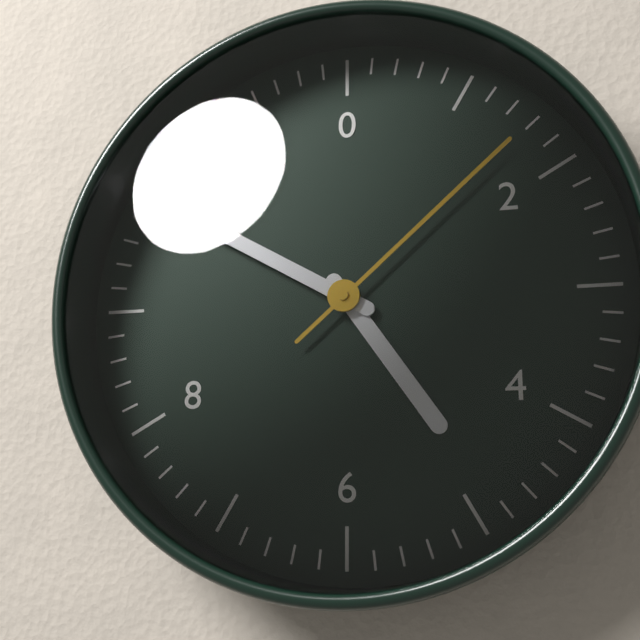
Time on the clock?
4:50:08
